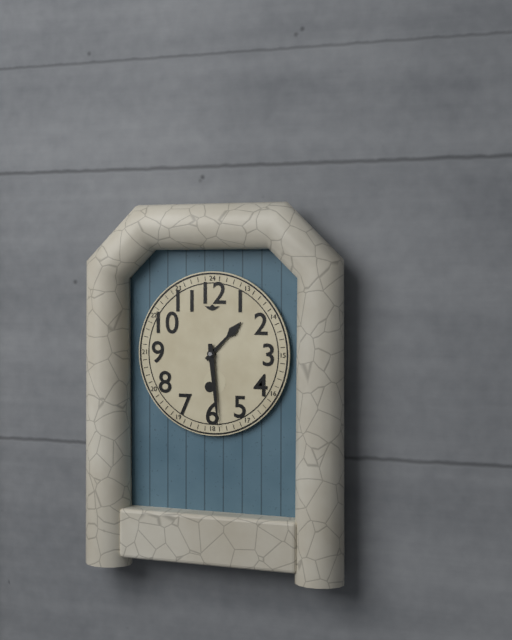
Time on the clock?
1:29
